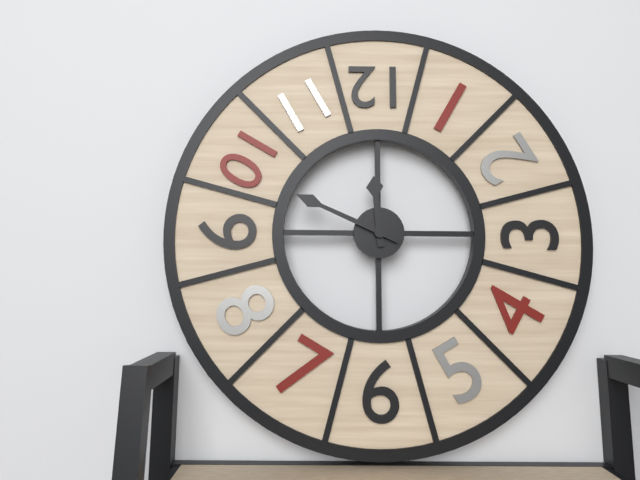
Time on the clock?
11:49
